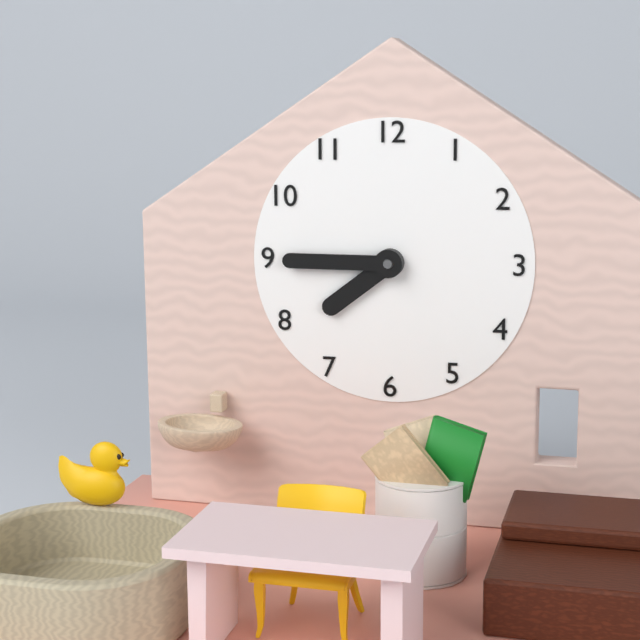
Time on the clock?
7:45
